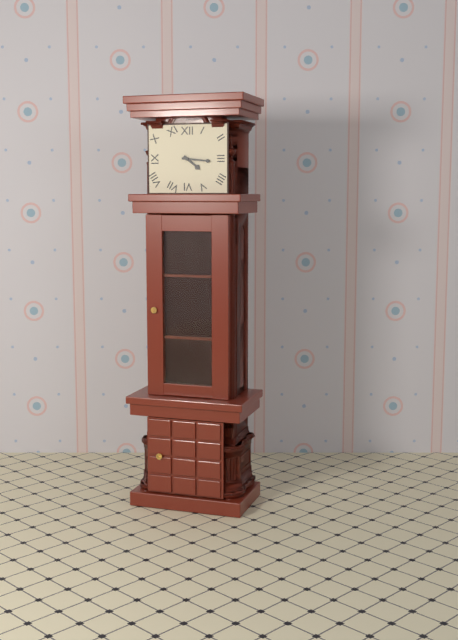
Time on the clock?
4:16
